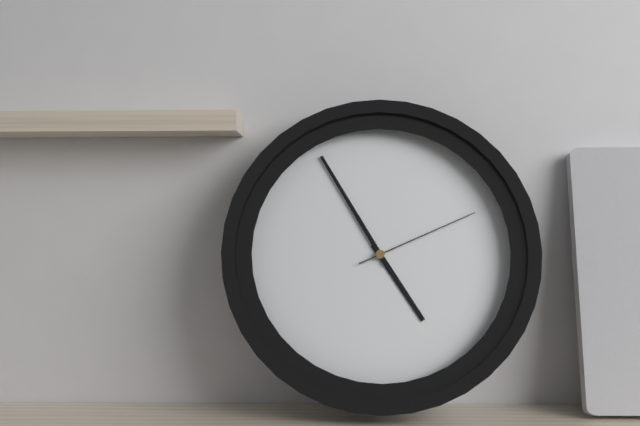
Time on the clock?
4:55:11
